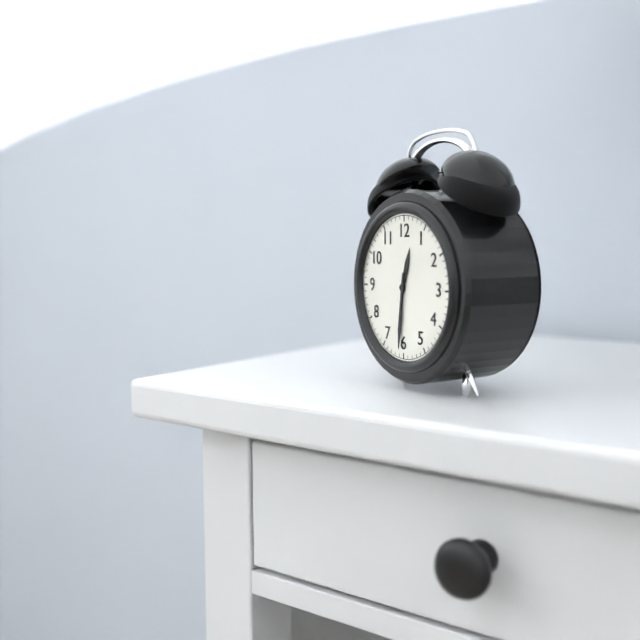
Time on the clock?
12:31
